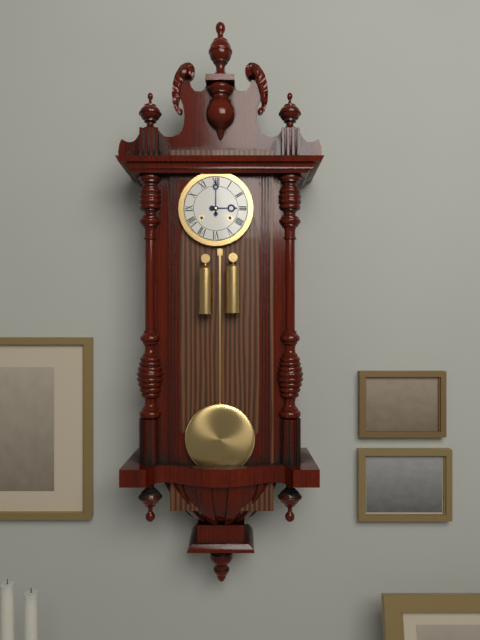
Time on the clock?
3:00
